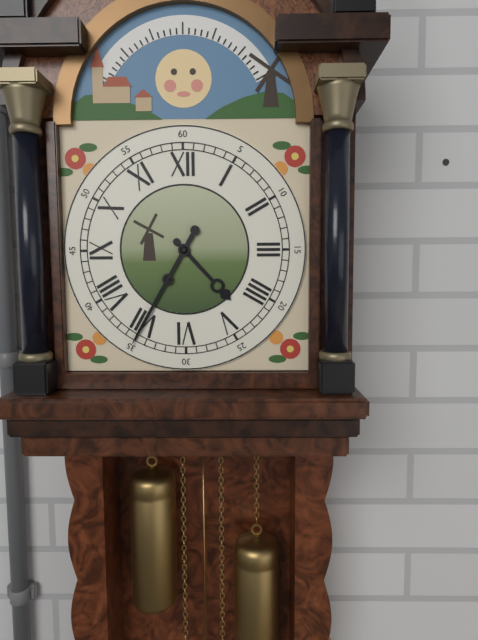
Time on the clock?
4:35
